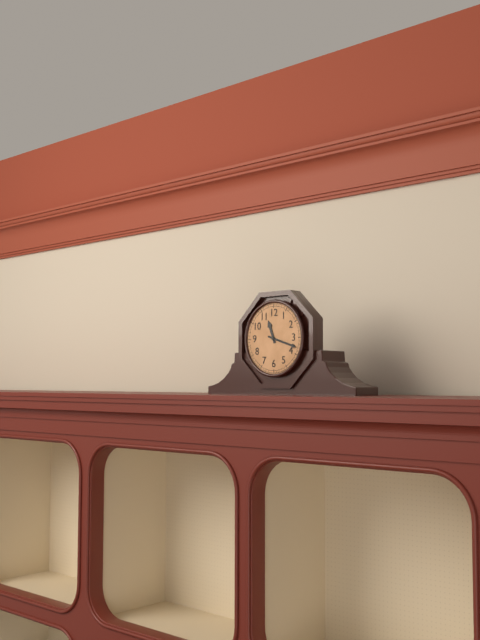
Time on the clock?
11:18
